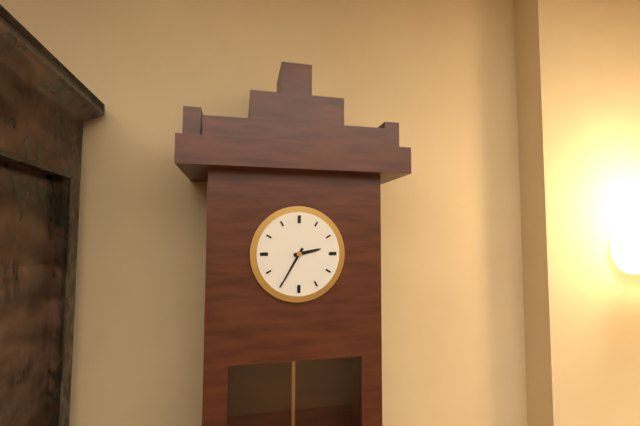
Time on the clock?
2:35
